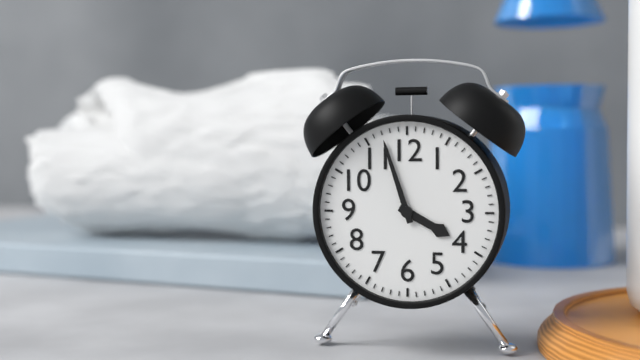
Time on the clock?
3:57
